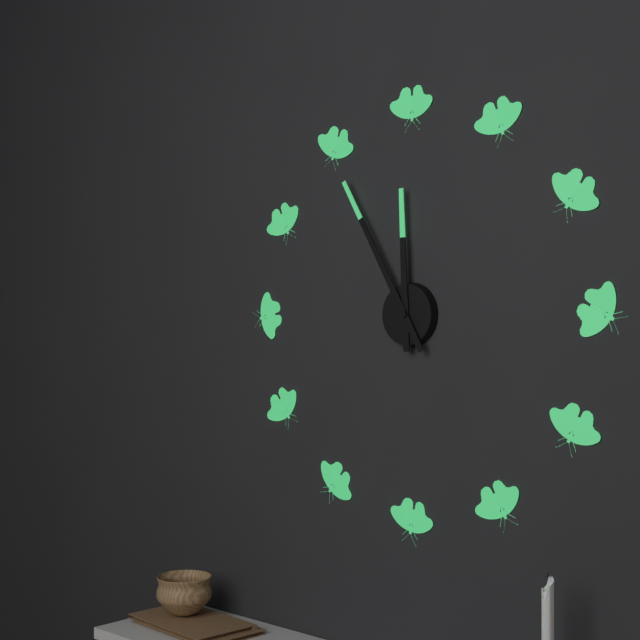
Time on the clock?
11:55
